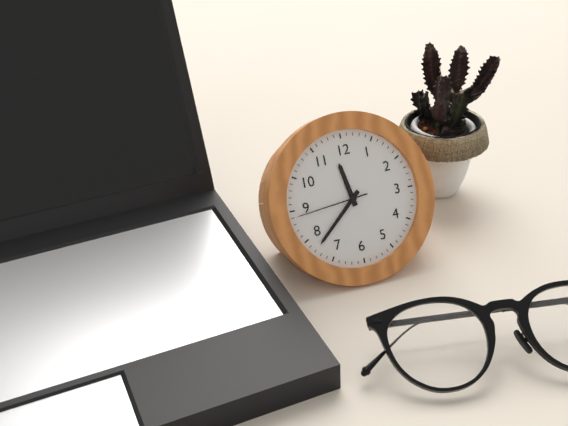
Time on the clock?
11:38:44
